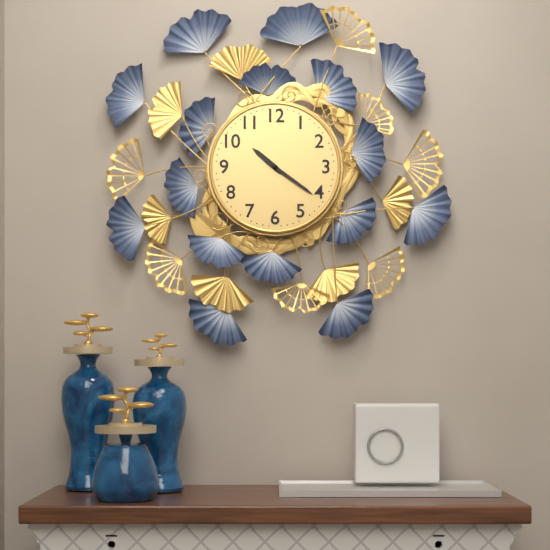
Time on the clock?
10:21
